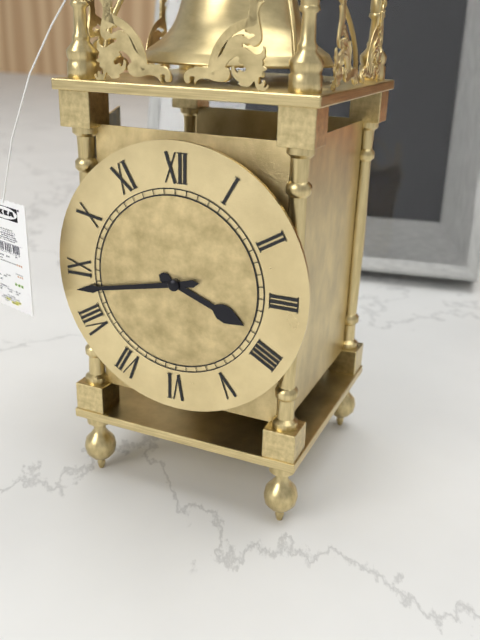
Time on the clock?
3:43
